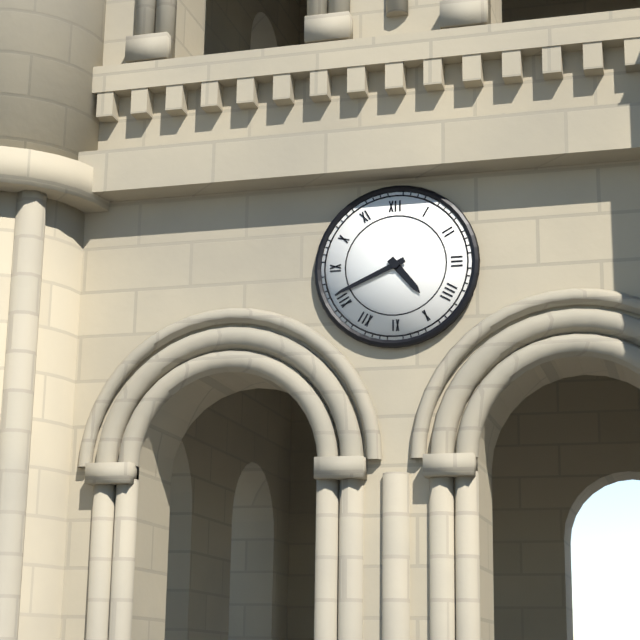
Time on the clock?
4:41
